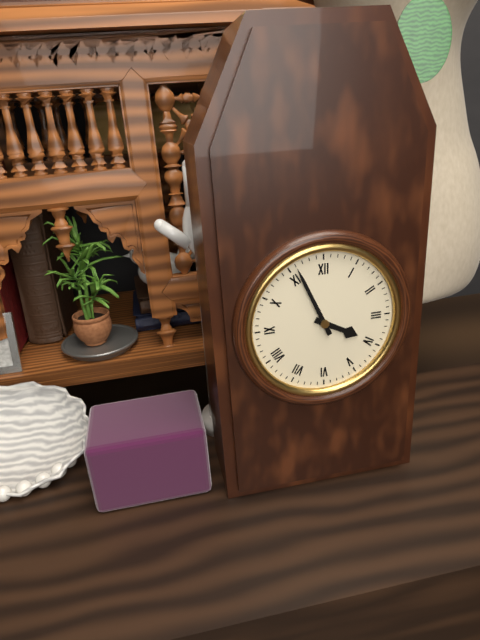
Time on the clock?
3:56
